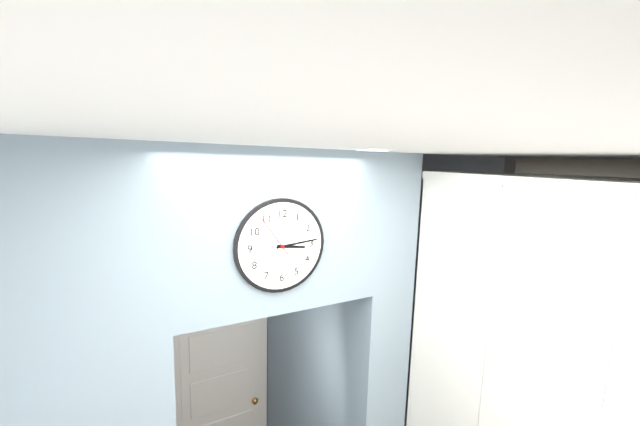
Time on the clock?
3:14
